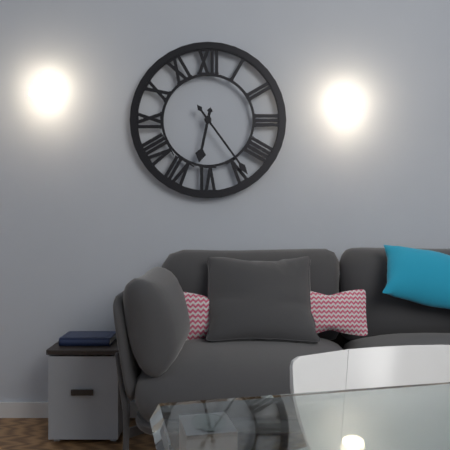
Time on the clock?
6:24
